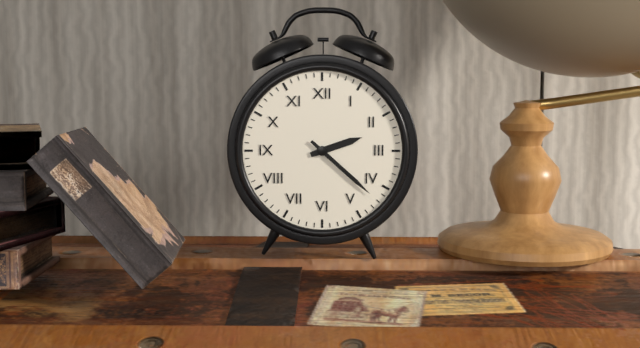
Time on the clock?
2:22
